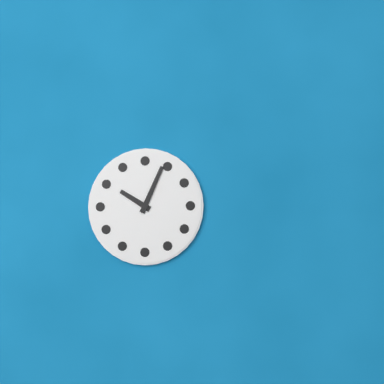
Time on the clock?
10:04
